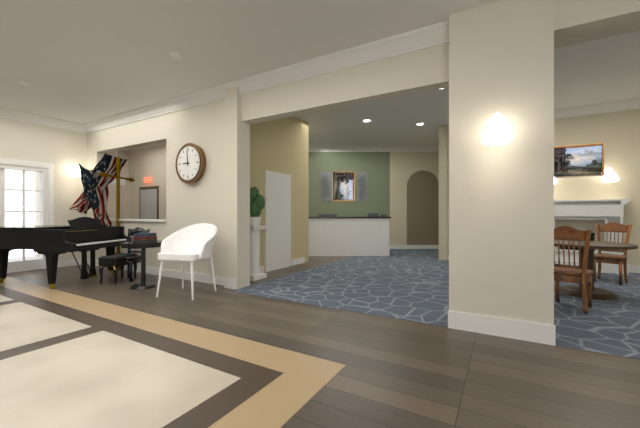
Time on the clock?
8:59
